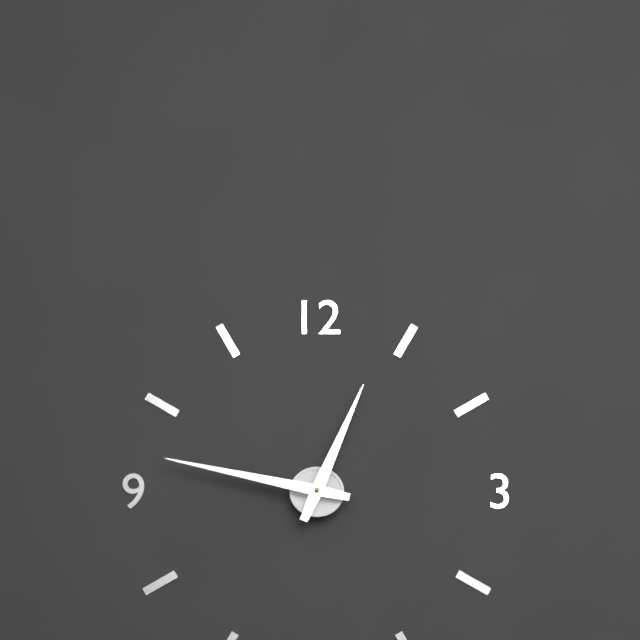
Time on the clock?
12:47
